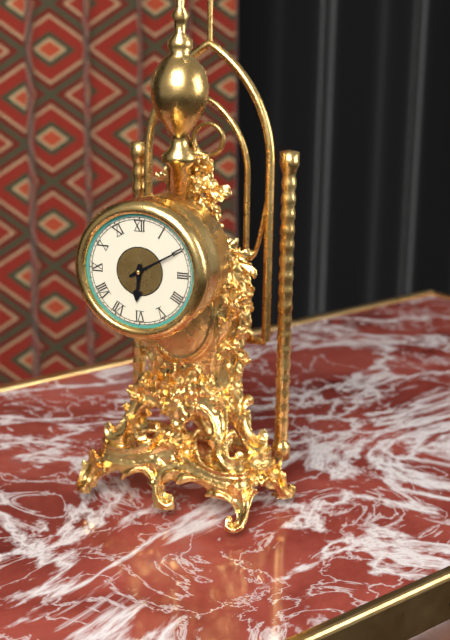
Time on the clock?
6:10
